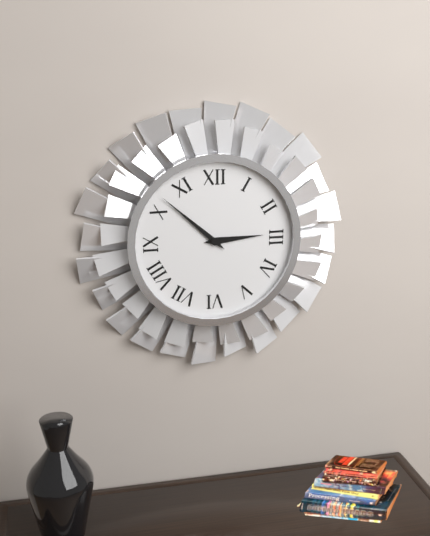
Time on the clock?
2:52
